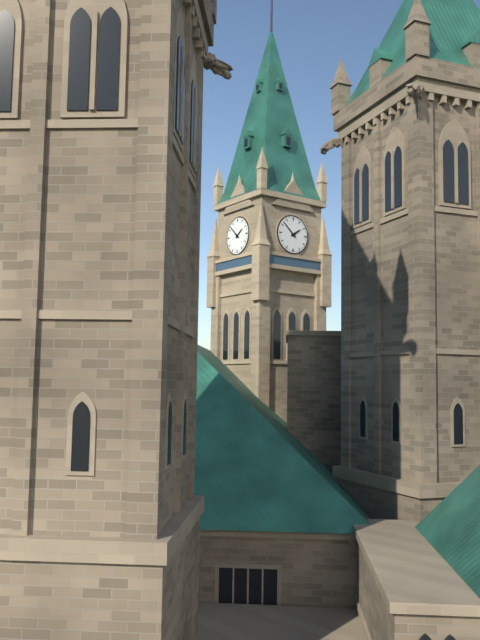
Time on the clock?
1:52
